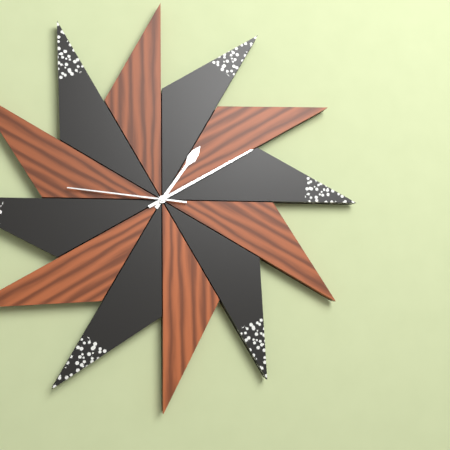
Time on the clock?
1:10:46
